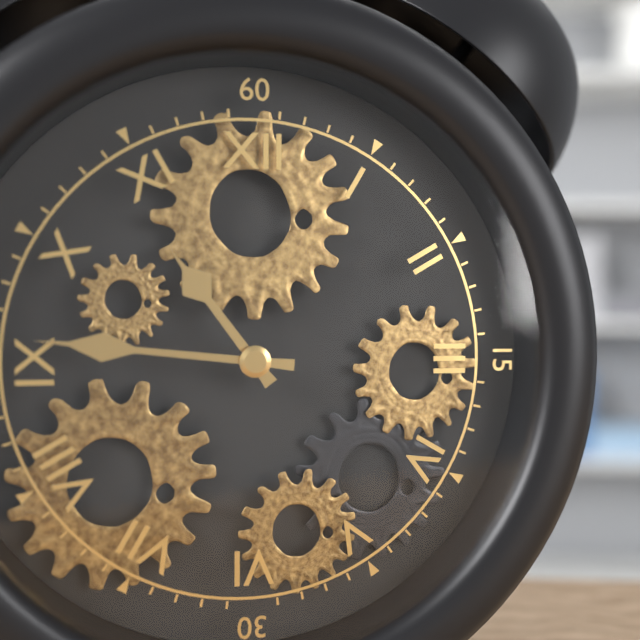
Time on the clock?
10:46
